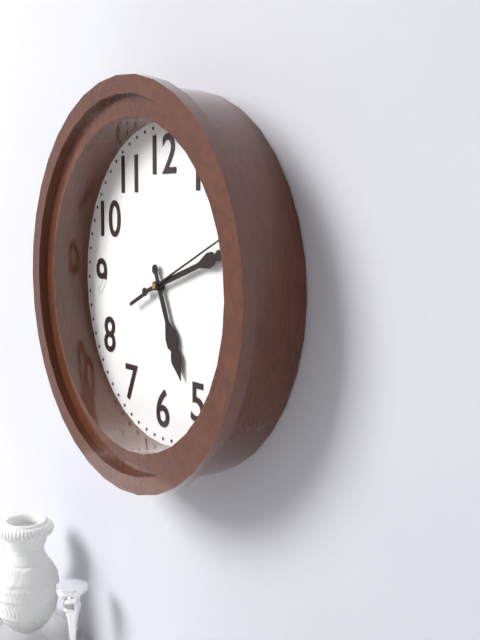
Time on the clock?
5:12:11
